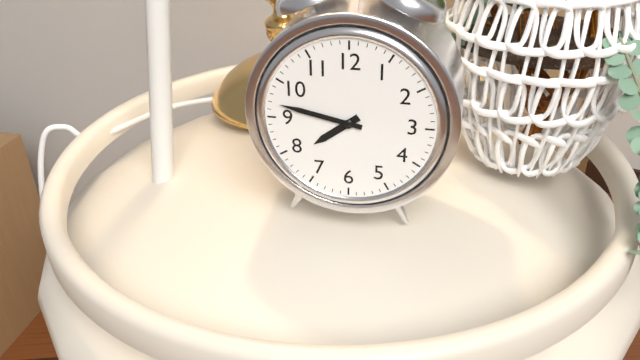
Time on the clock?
7:47
